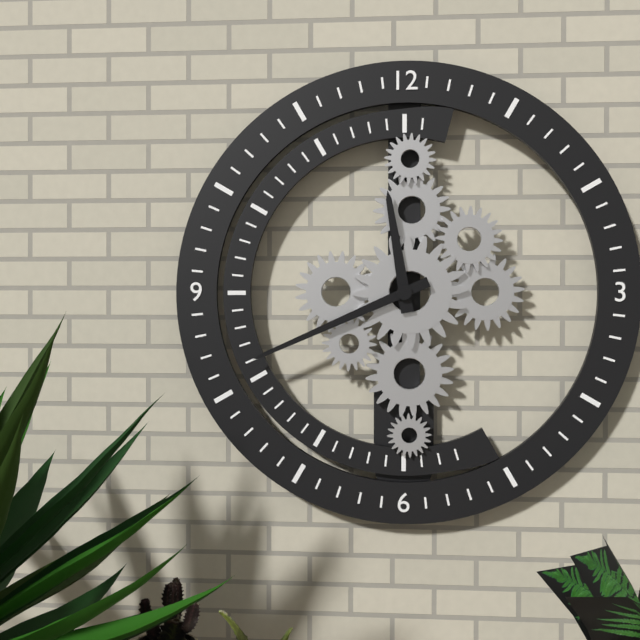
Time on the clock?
11:41
